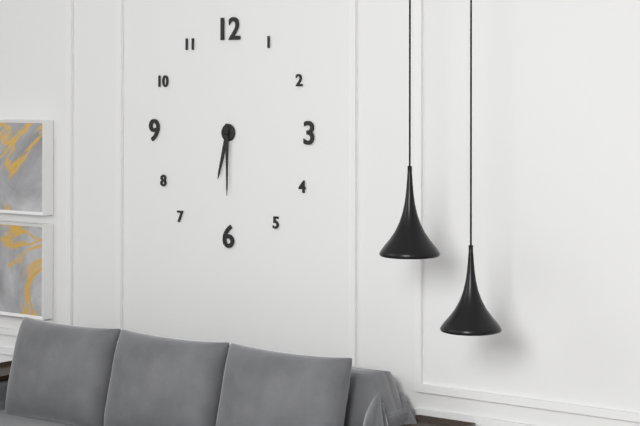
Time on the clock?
6:30
